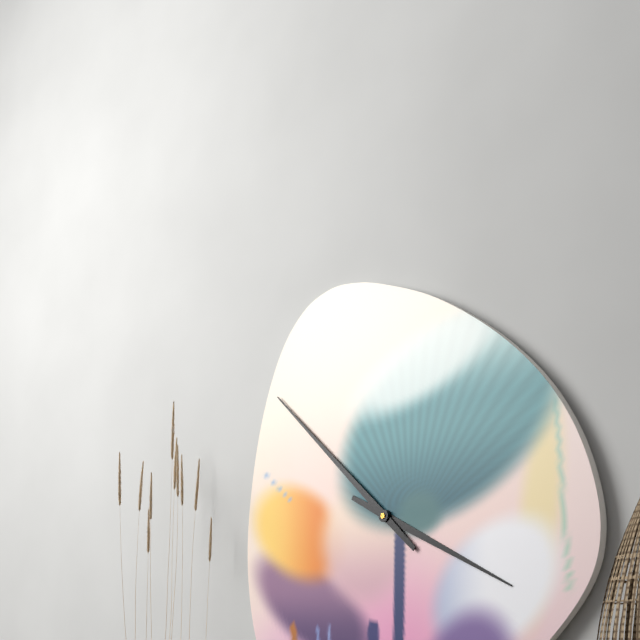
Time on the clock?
3:52
